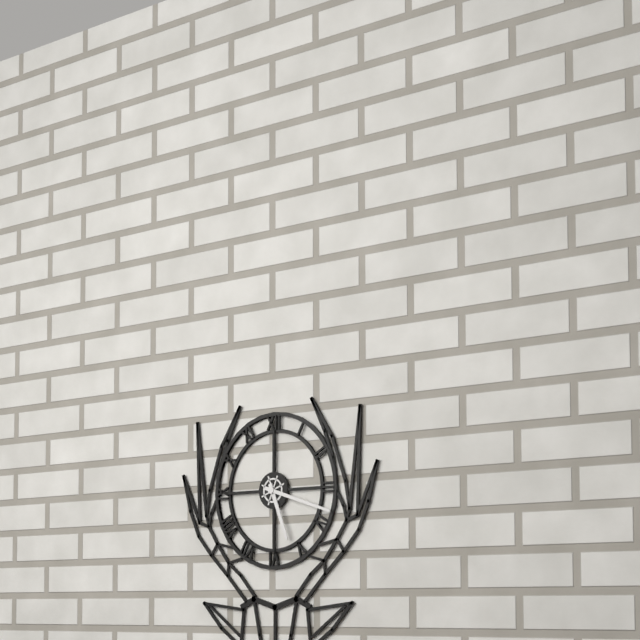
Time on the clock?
5:18
